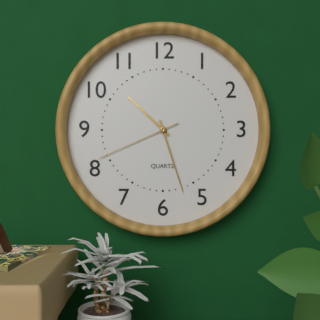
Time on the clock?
10:27:41
